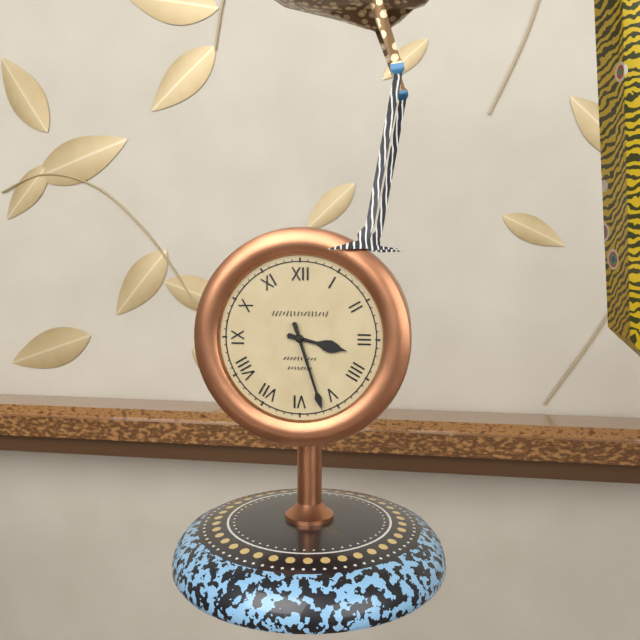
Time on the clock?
3:27
